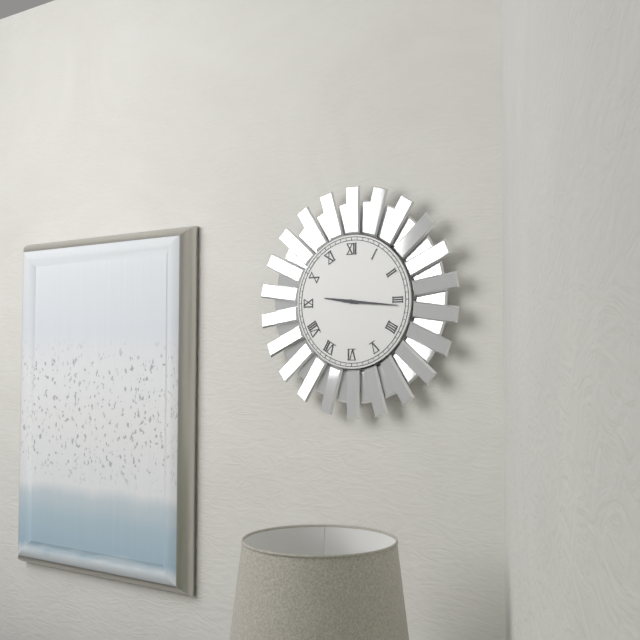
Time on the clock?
9:16
